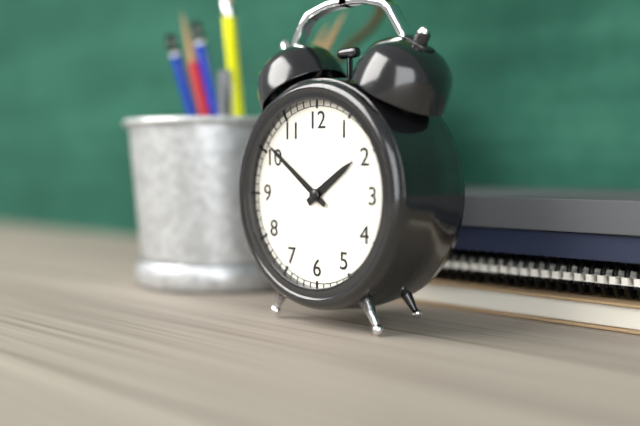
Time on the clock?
1:51
